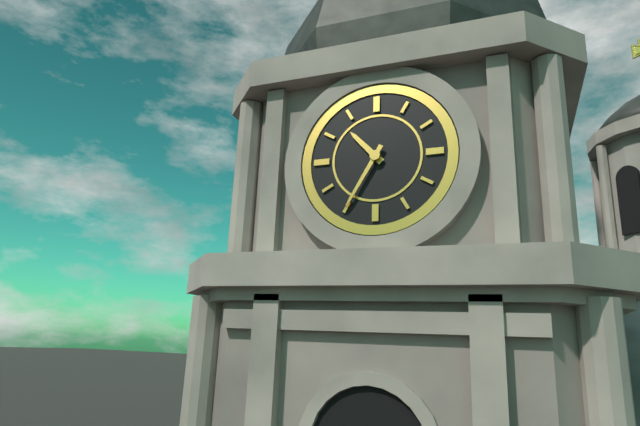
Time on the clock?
10:35
